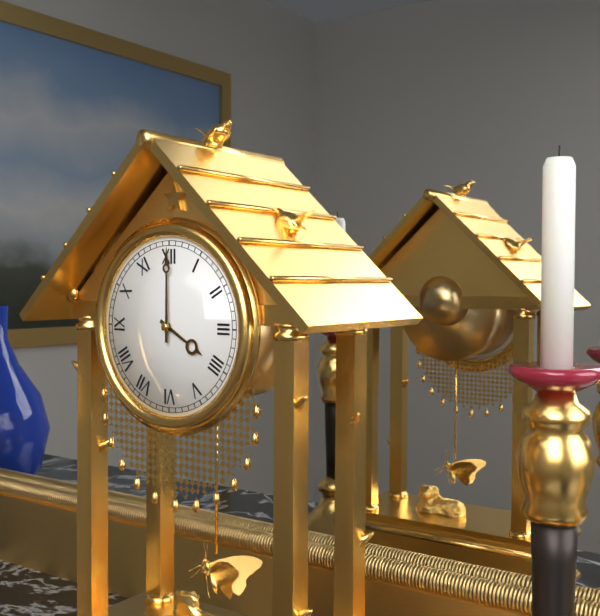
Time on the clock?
4:00
